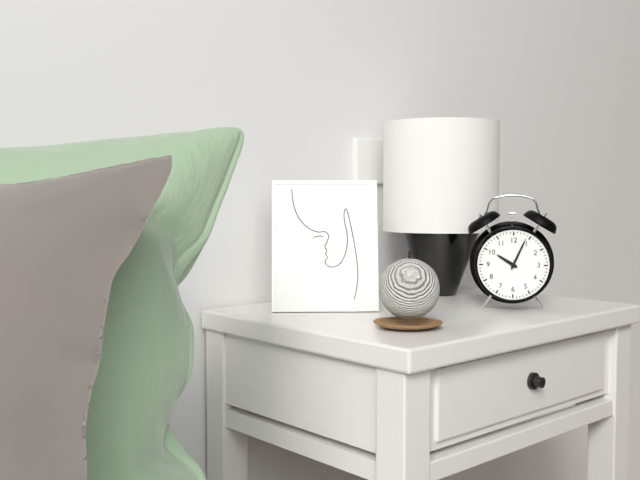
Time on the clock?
10:04
